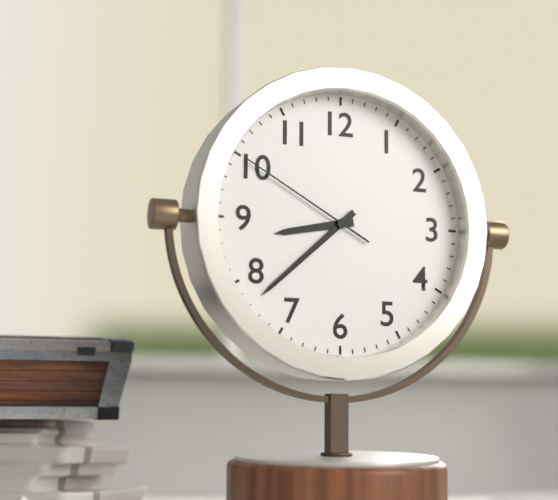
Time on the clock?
8:38:50
